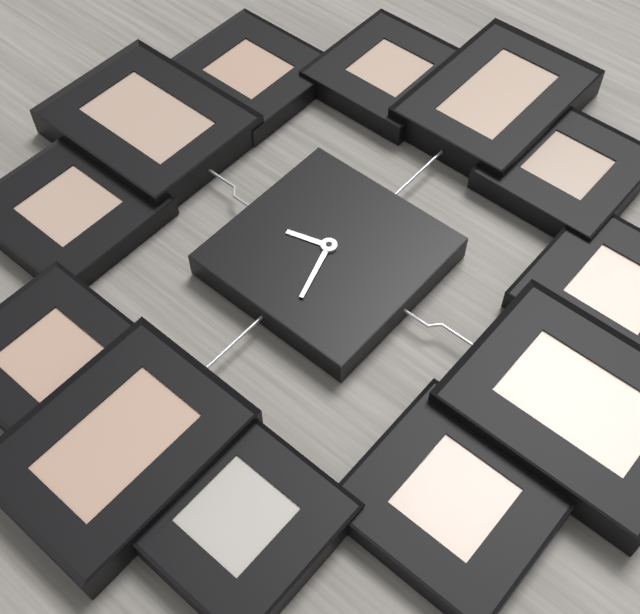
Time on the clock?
8:27
